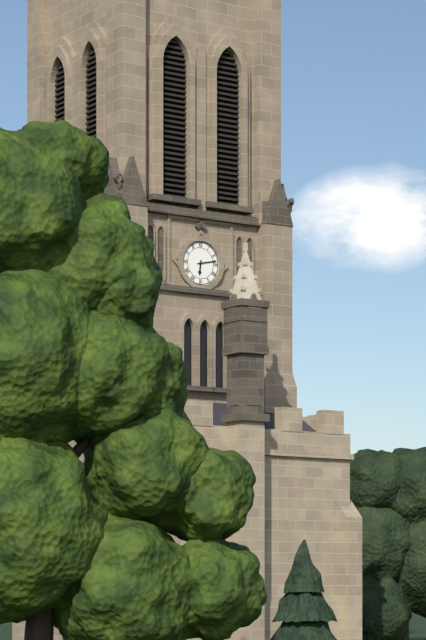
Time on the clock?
6:13
